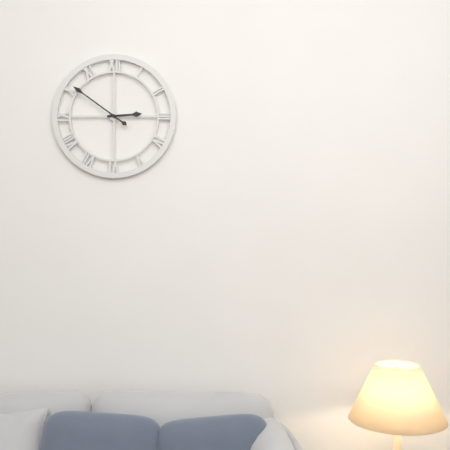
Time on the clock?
2:51
